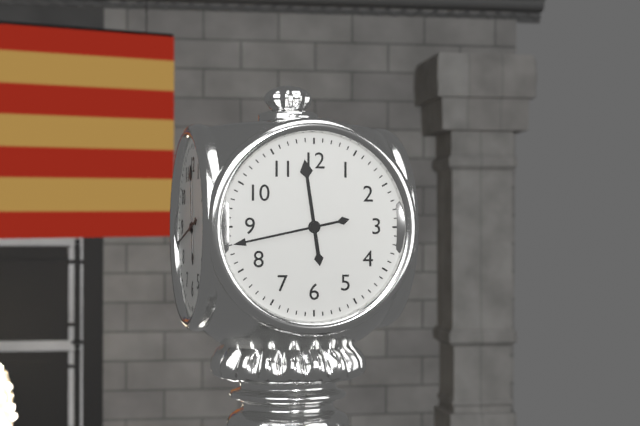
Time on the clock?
11:43
